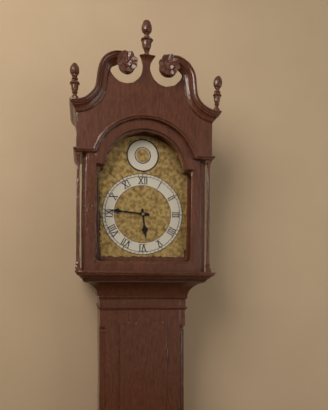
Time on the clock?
5:46
